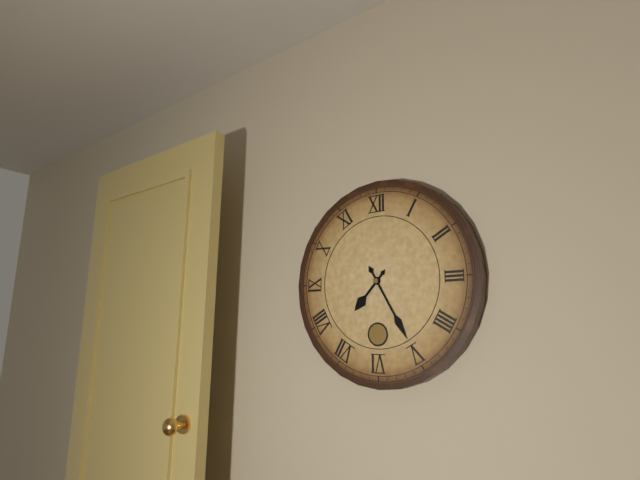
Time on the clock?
7:25
